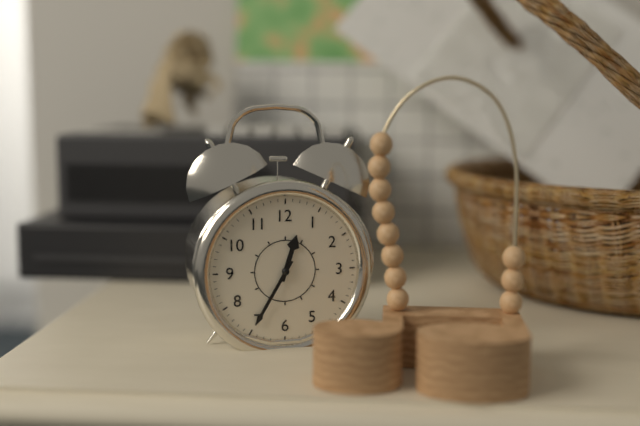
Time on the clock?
12:35
